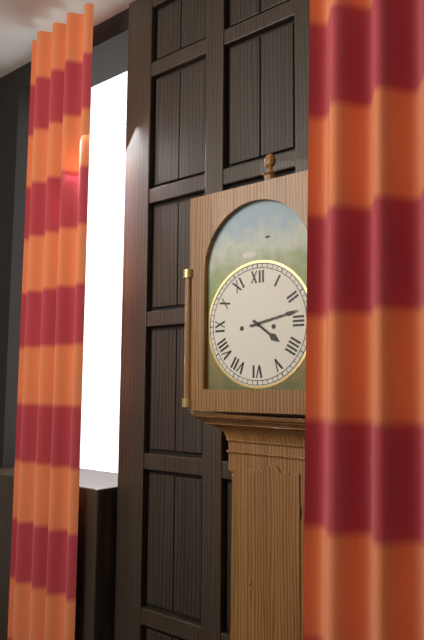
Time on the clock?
4:13
